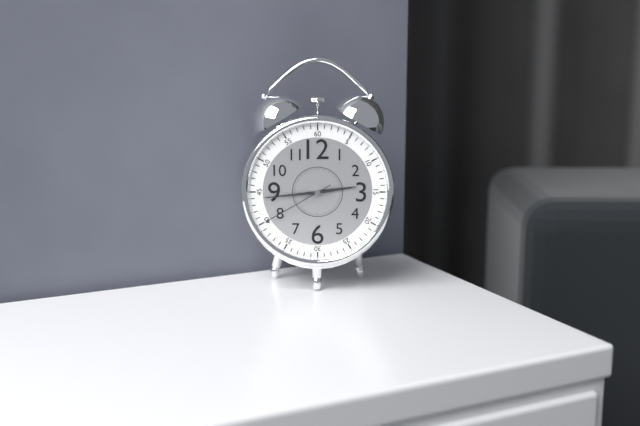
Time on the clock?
2:44:40
